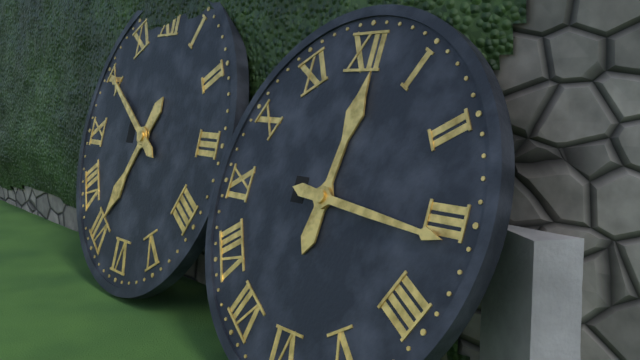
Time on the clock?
12:16
